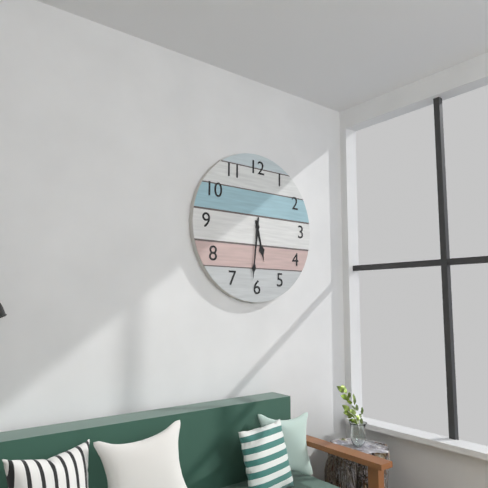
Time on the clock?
5:31
